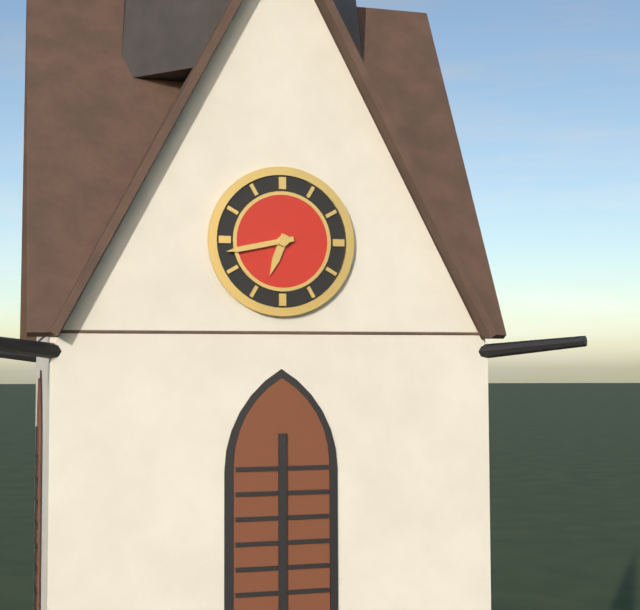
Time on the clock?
6:43
